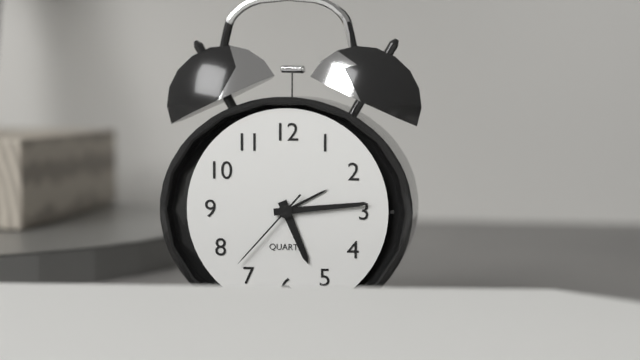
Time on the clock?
5:14:37
